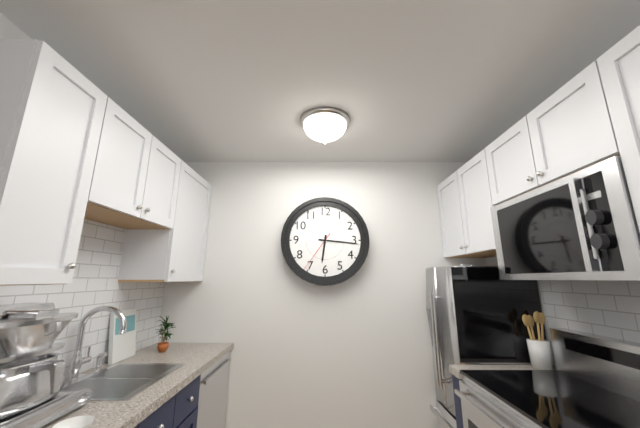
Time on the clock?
6:16
